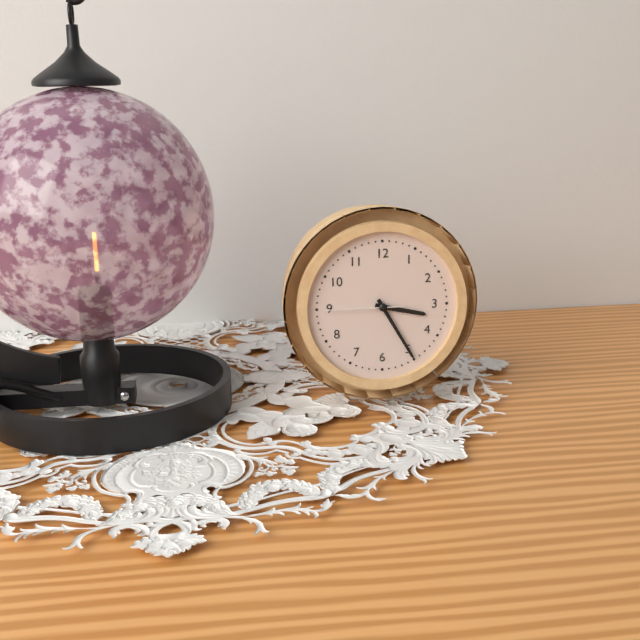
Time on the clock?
3:25:45
